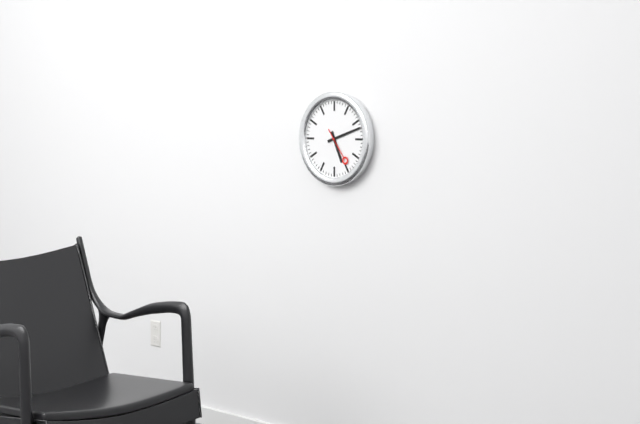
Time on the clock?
5:12
